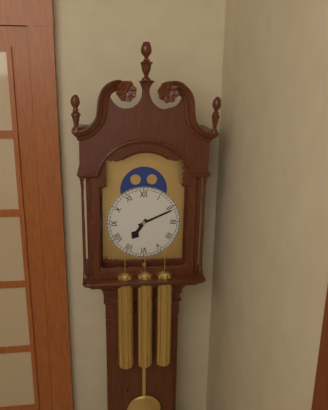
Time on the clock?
7:11
